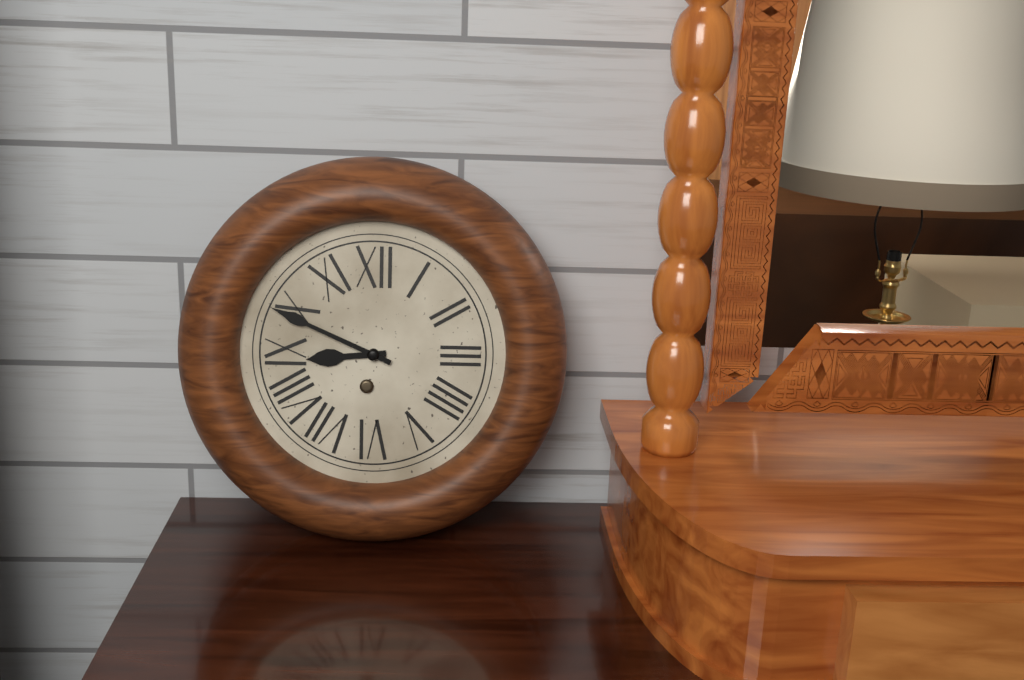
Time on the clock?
8:49
